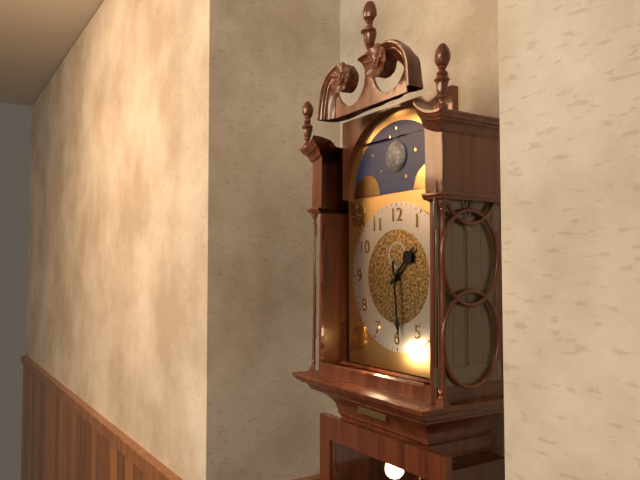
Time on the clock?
1:29
